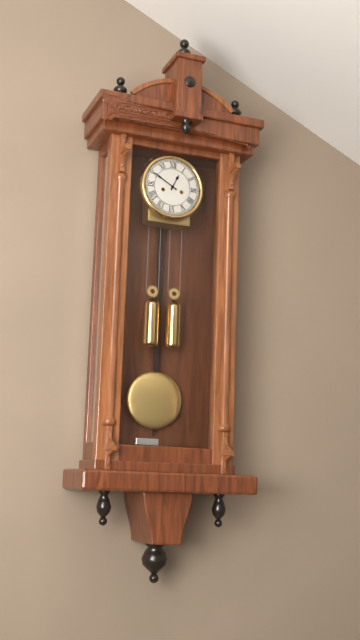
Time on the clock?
12:50
